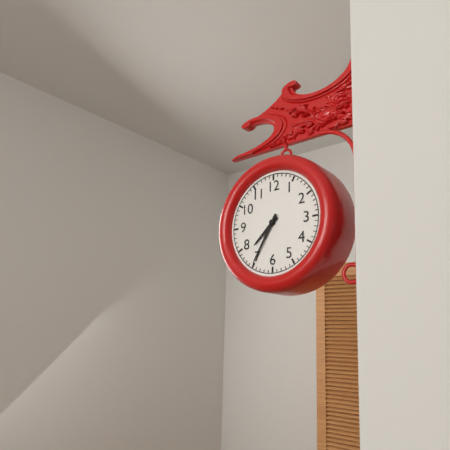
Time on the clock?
7:35
